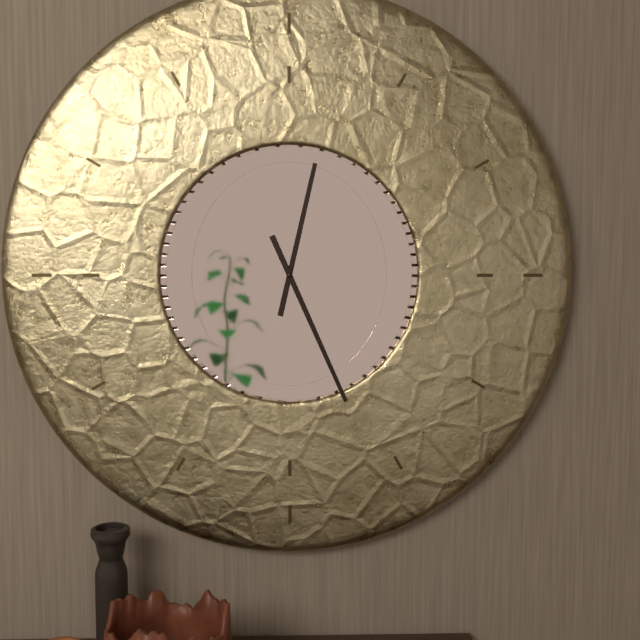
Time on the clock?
12:26
